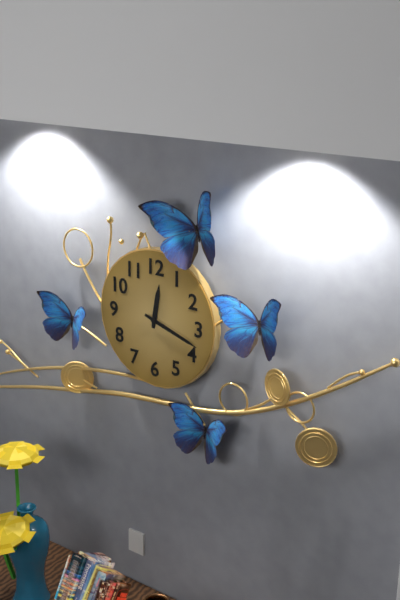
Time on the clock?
12:18
